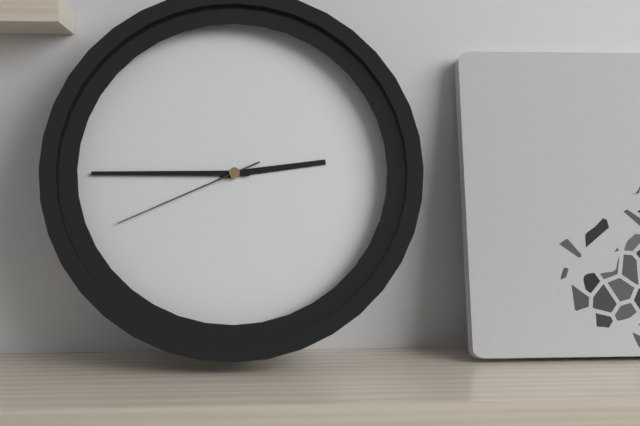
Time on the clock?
2:45:41
